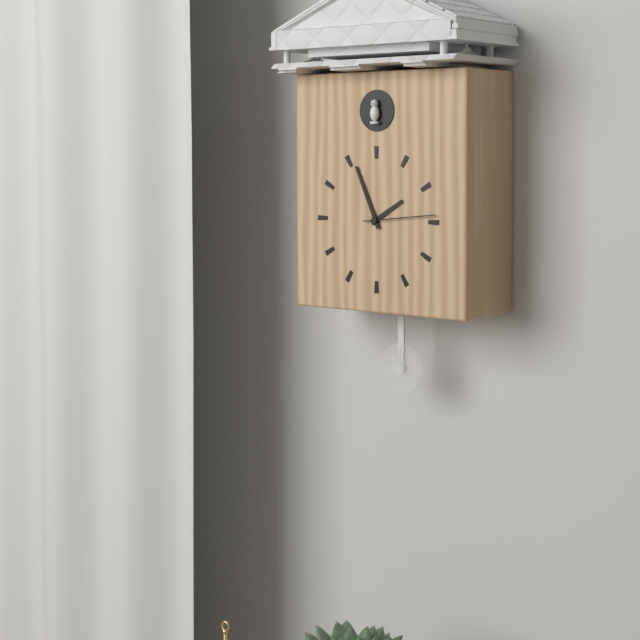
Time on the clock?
1:56:14
